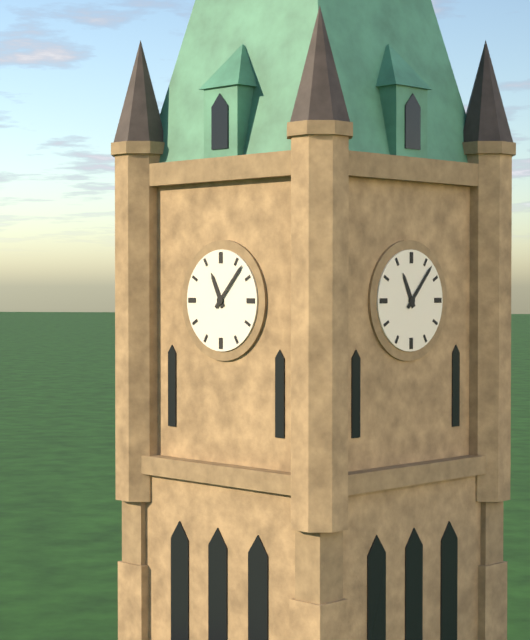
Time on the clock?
11:07
